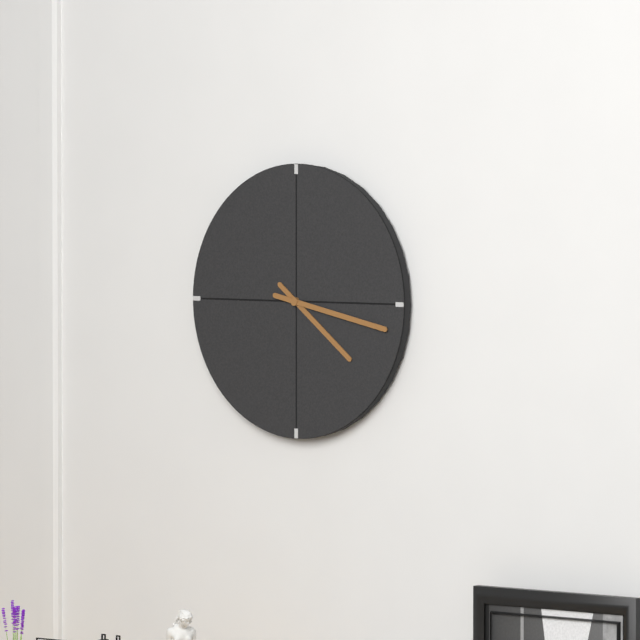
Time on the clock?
4:17
